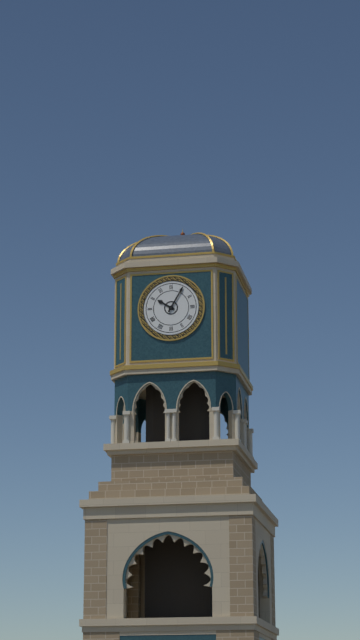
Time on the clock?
10:05
